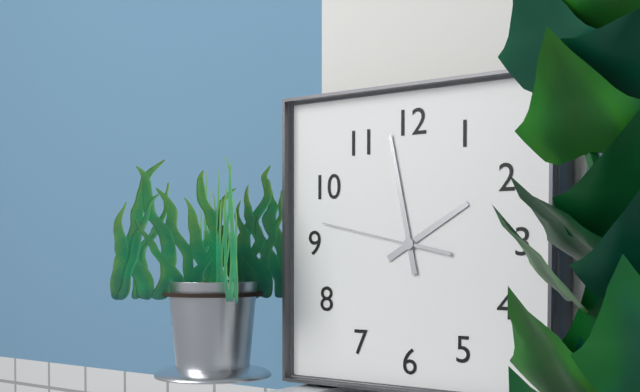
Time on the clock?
1:58:47
